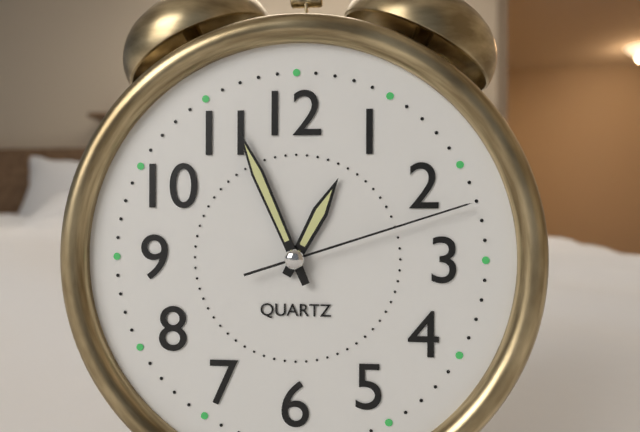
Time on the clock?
12:56:12
